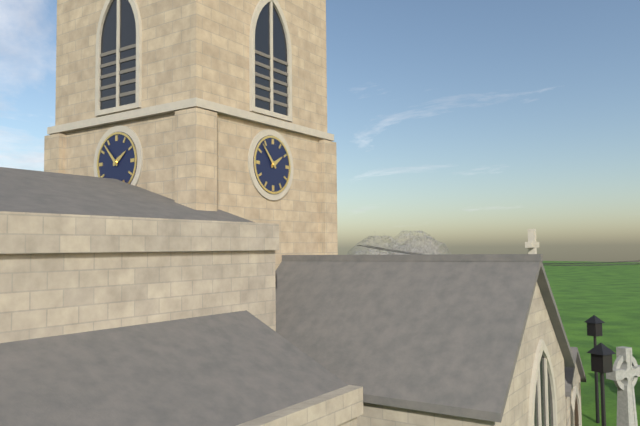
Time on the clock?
1:53
